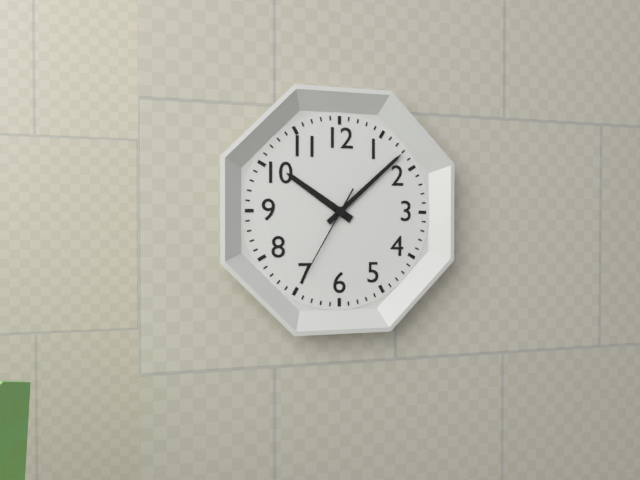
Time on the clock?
10:08:35
